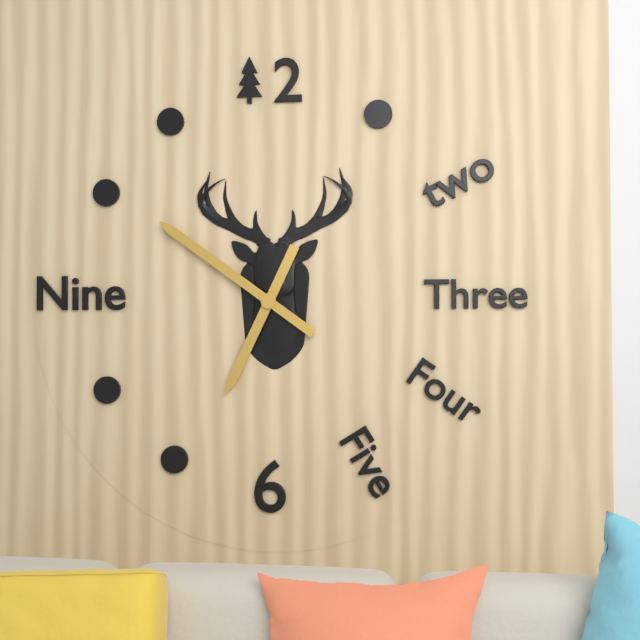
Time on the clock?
6:51
